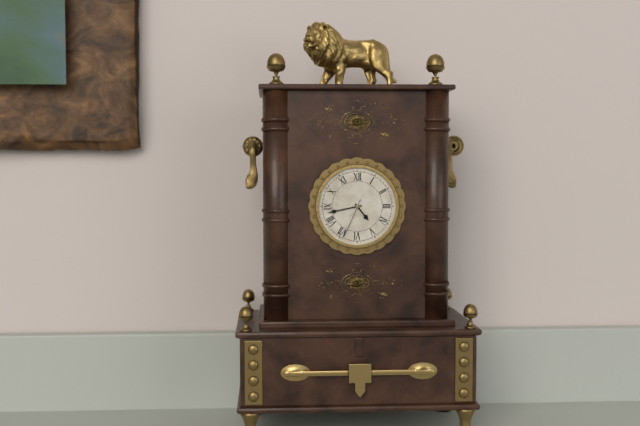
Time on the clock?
4:43
